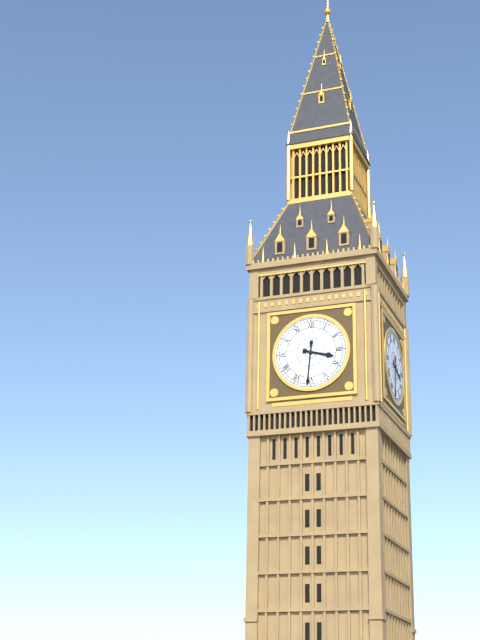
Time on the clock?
3:31
